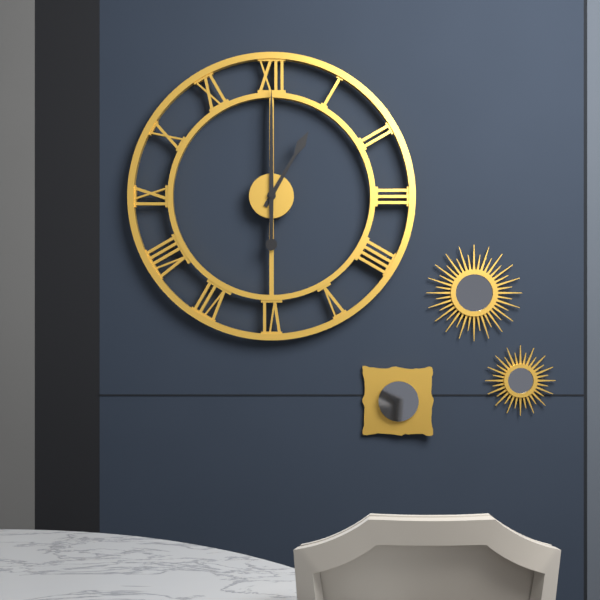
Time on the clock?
1:00
